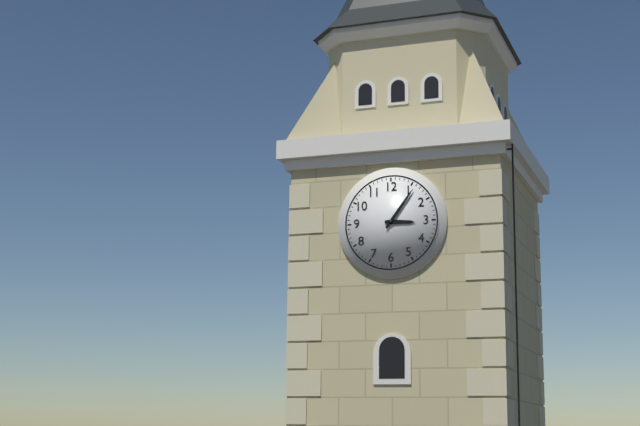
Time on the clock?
3:06
